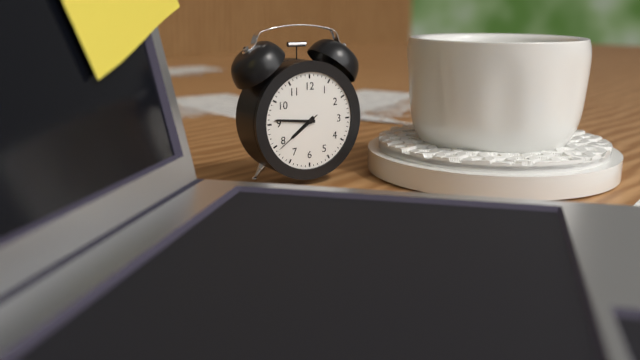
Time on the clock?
7:46:39
